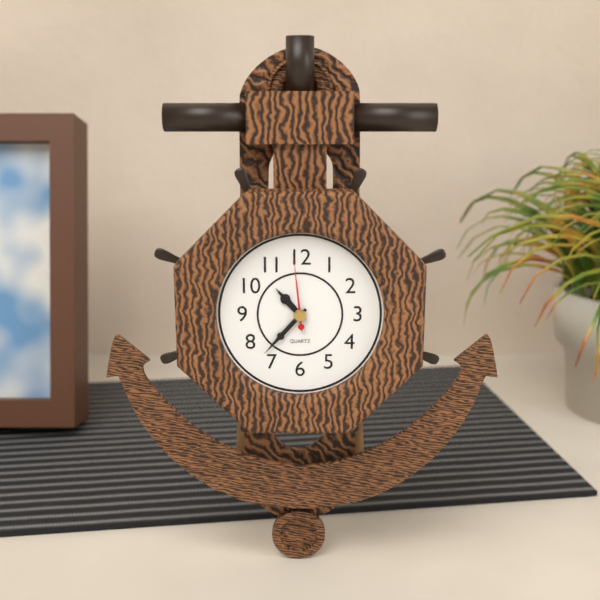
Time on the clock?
10:37:59
